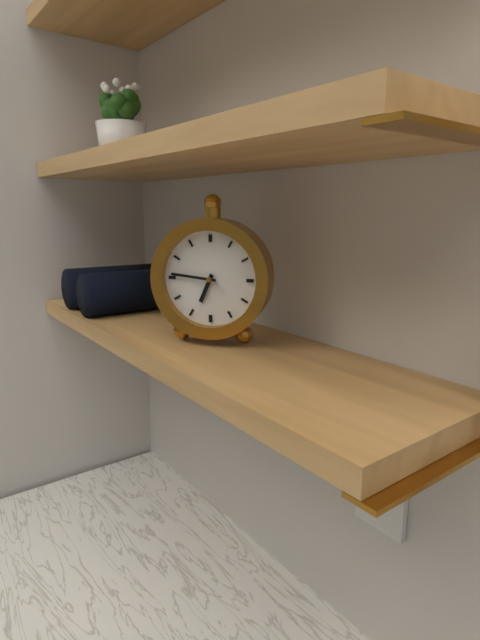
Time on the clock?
6:46
